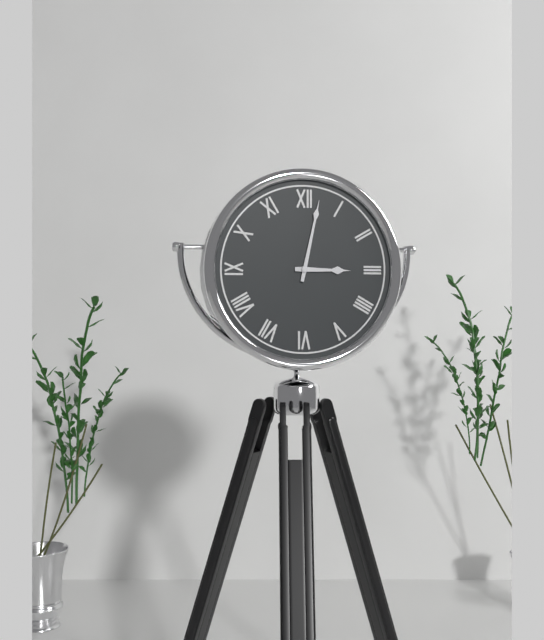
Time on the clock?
3:02
